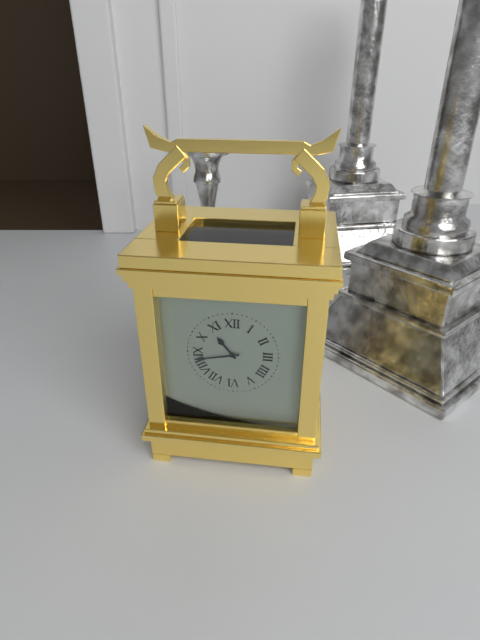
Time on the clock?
10:43
